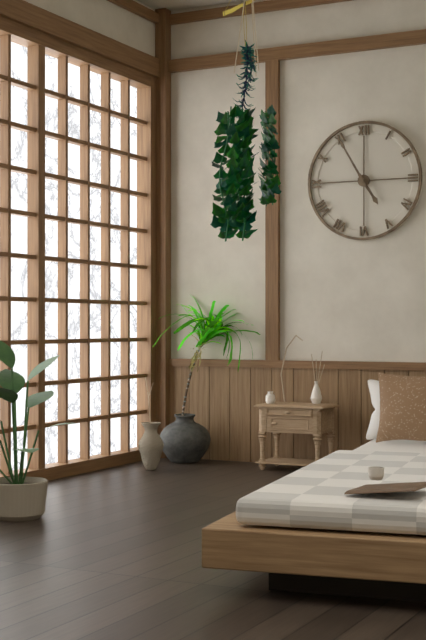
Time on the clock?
4:55
